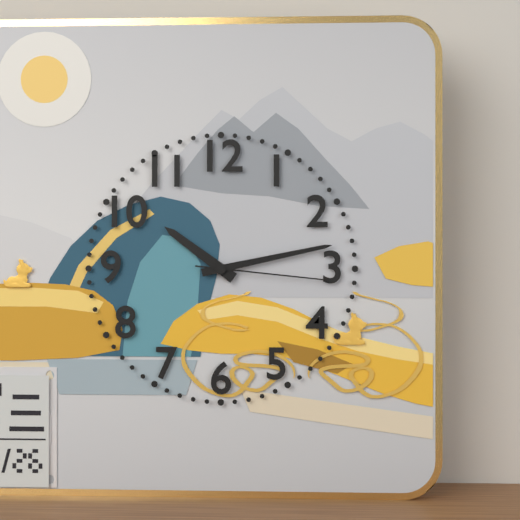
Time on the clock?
10:13:16
